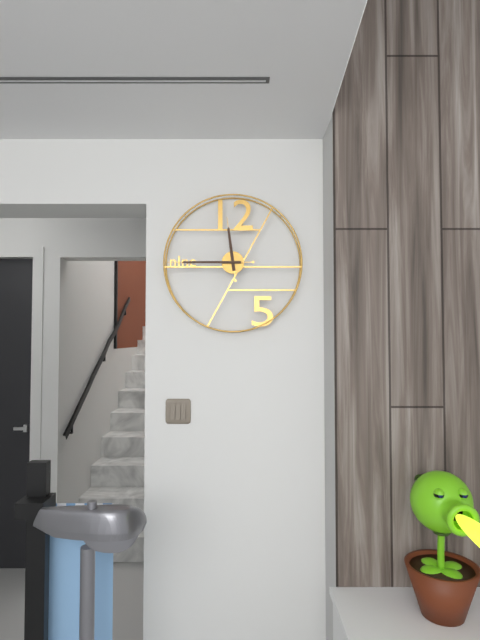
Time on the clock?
11:45
